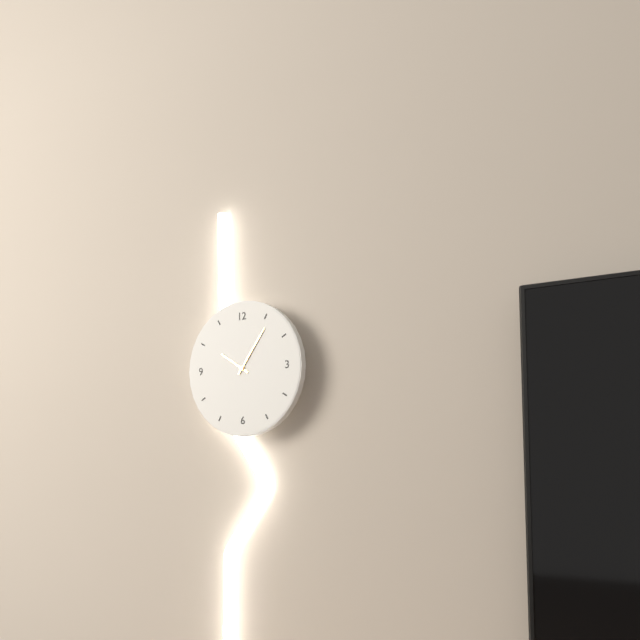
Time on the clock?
10:06
